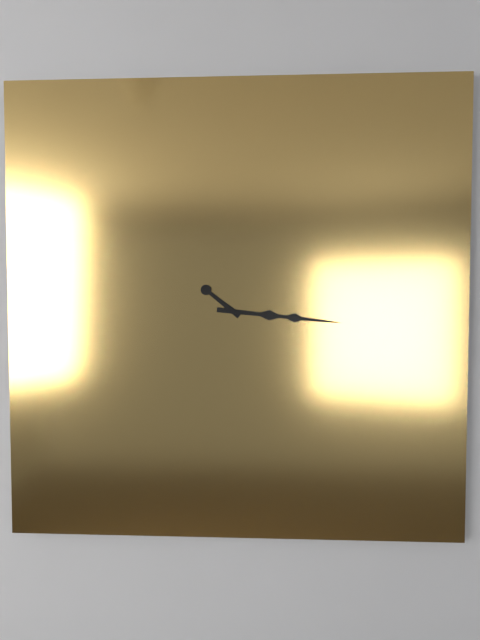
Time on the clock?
10:16
